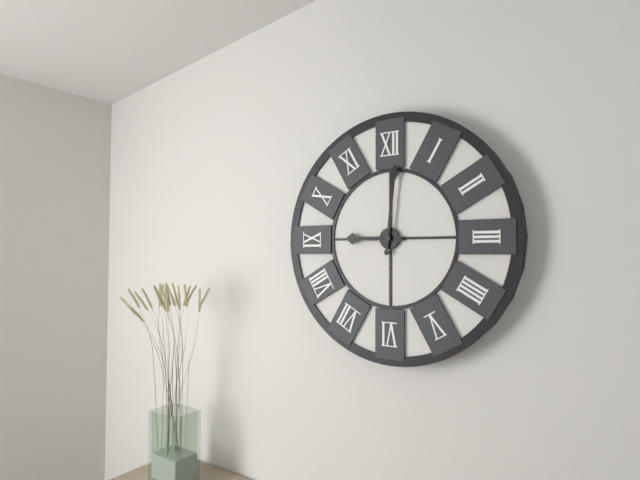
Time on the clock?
9:01
